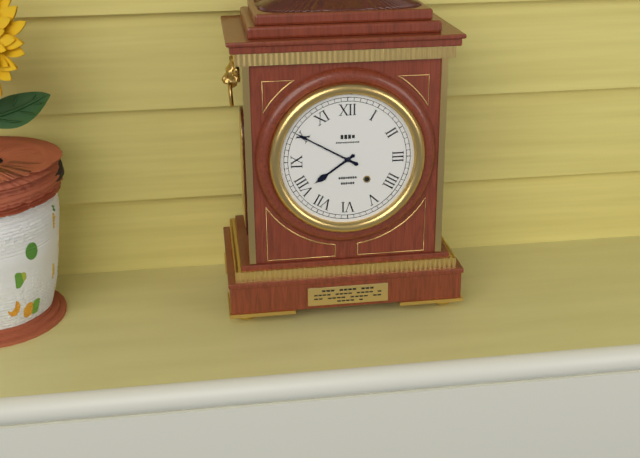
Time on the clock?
7:50
